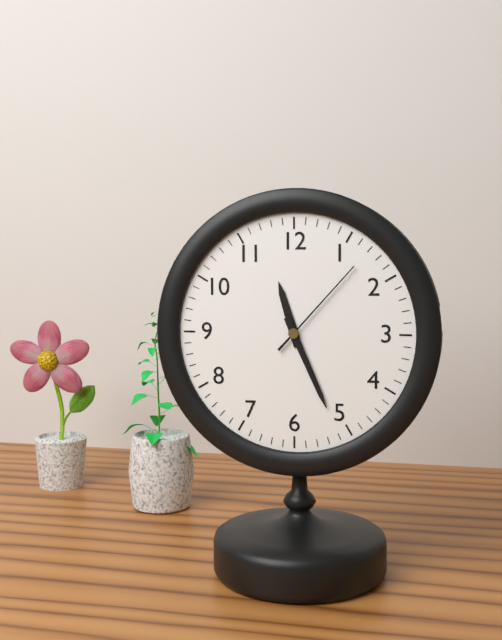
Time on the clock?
11:26:07
